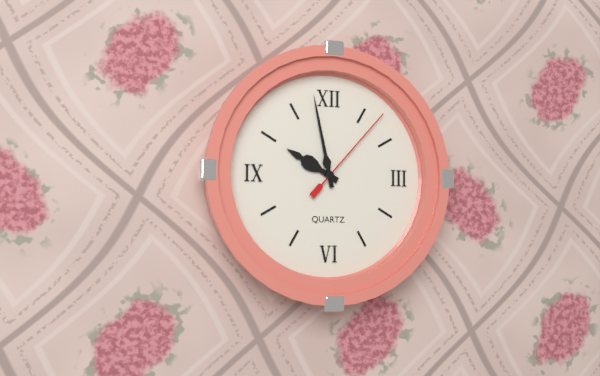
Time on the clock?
9:58:07
